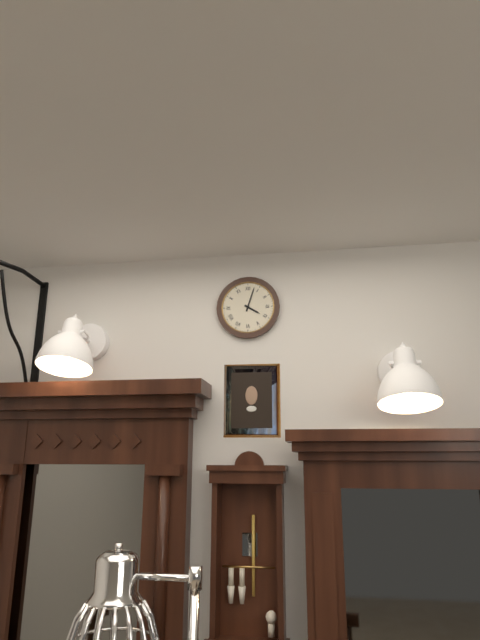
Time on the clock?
4:03
